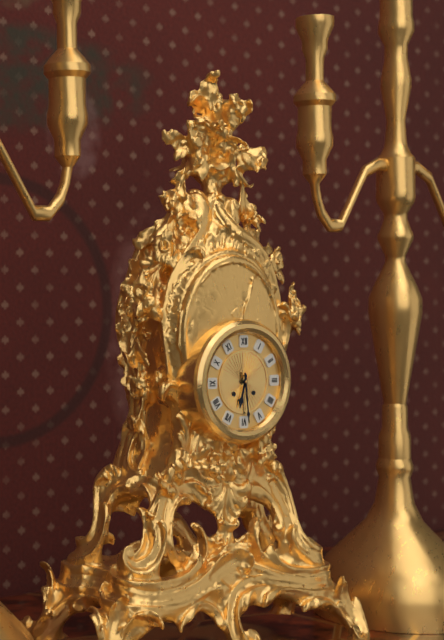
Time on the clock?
6:29
